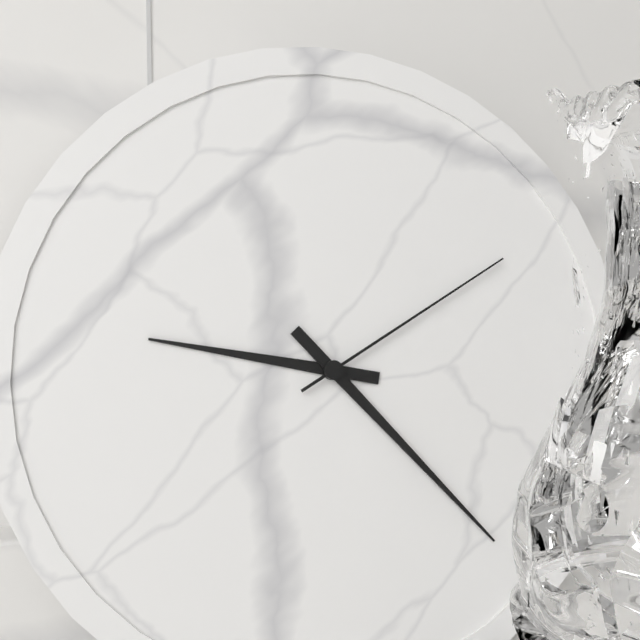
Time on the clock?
9:23:10
